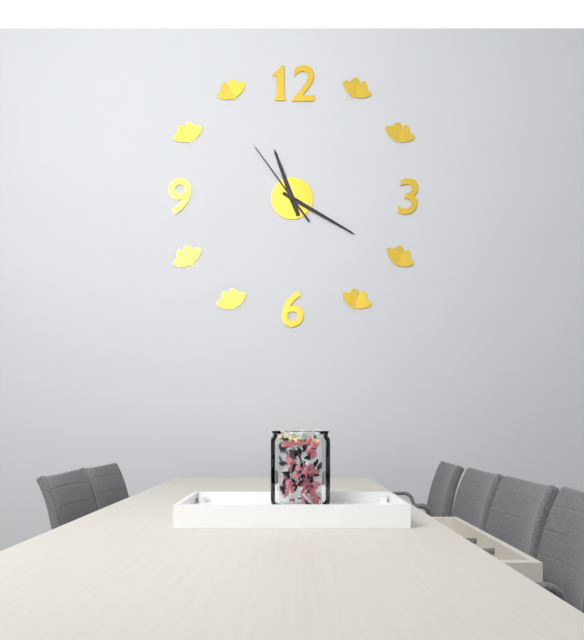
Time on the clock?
11:20:54
